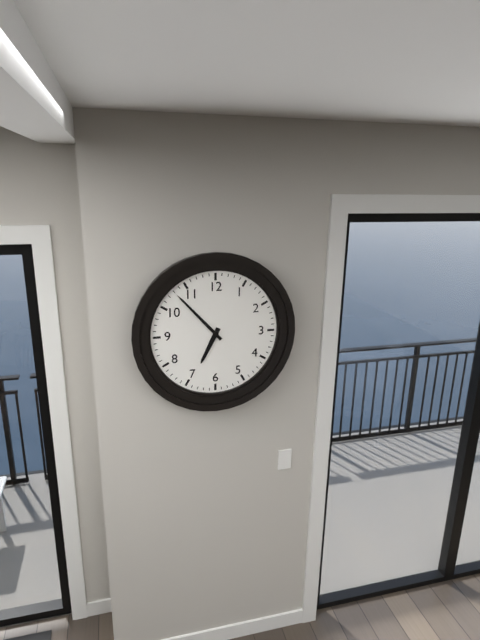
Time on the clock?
6:53
